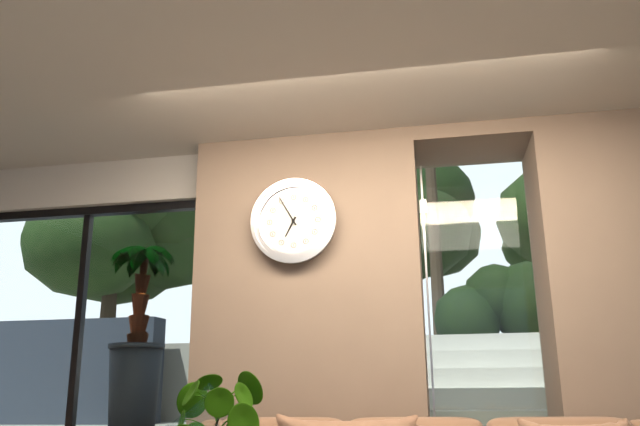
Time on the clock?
6:55
